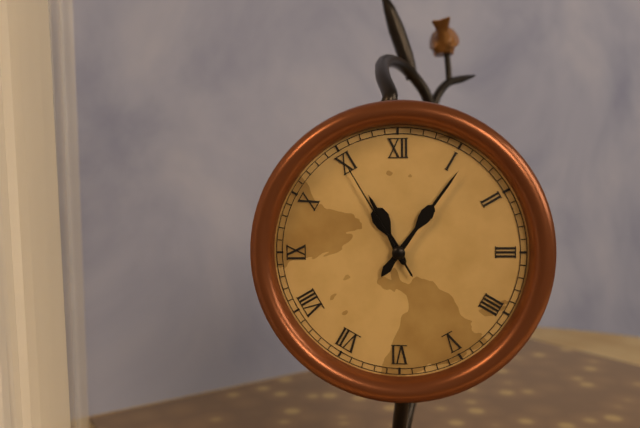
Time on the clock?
11:06:55
